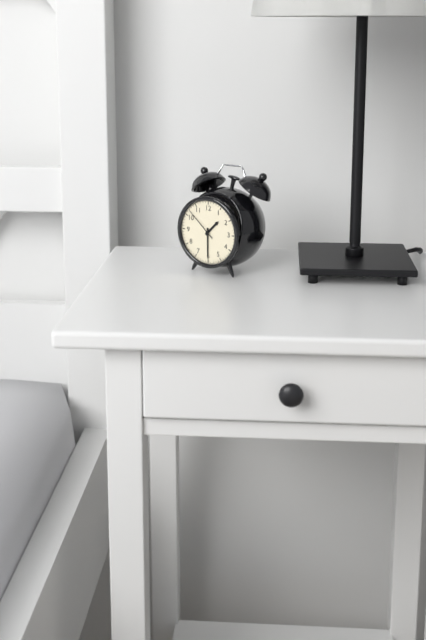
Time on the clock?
1:30
